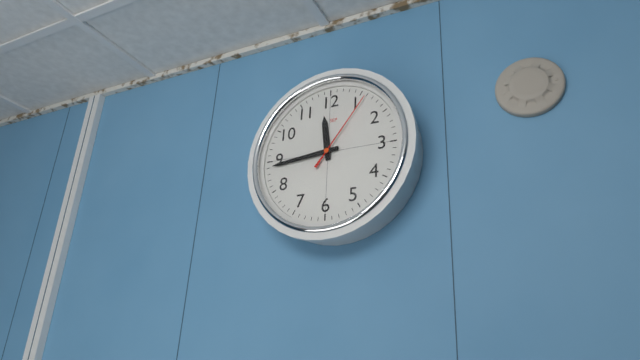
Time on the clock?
11:44:06
